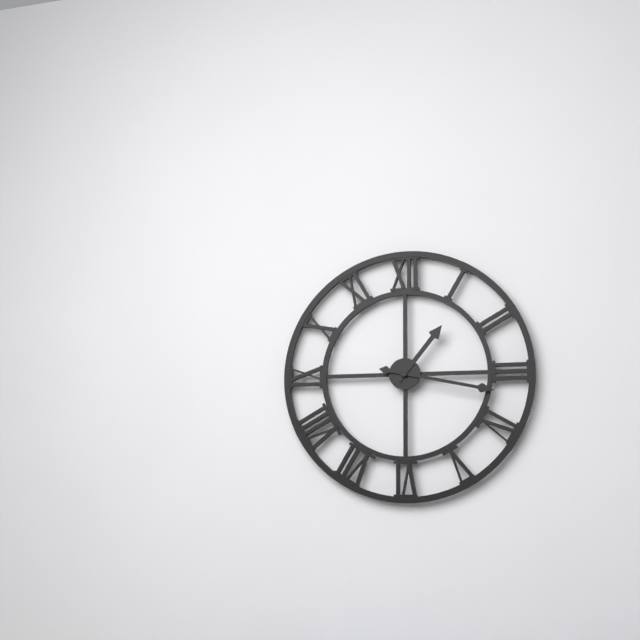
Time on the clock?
1:17
